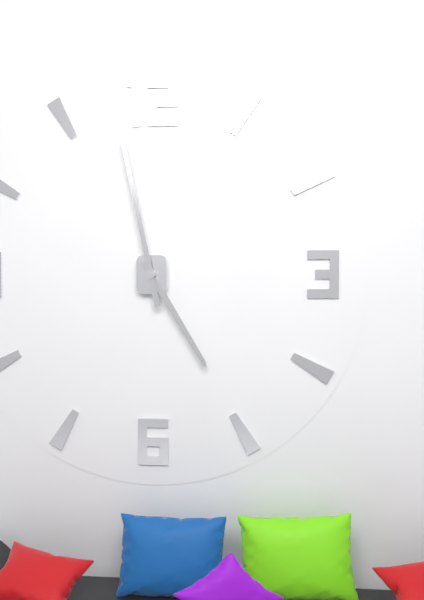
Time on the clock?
4:58
